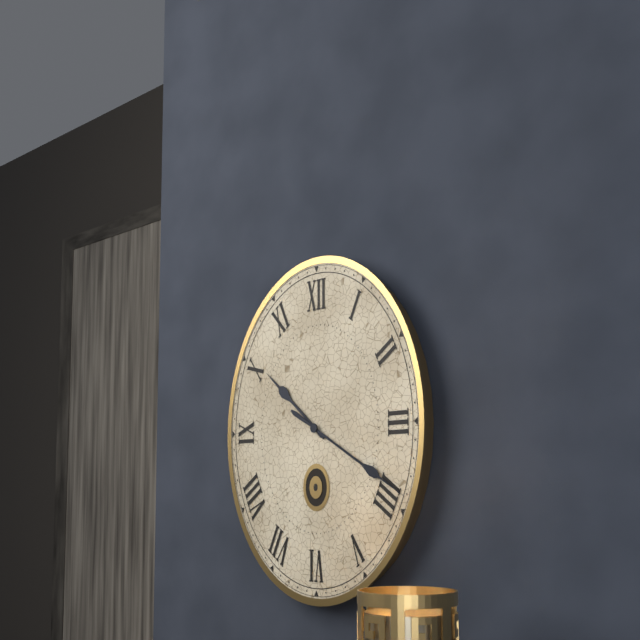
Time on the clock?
10:20
